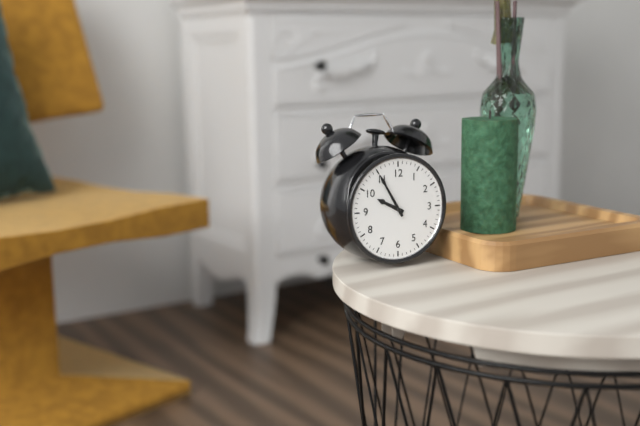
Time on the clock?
9:55
